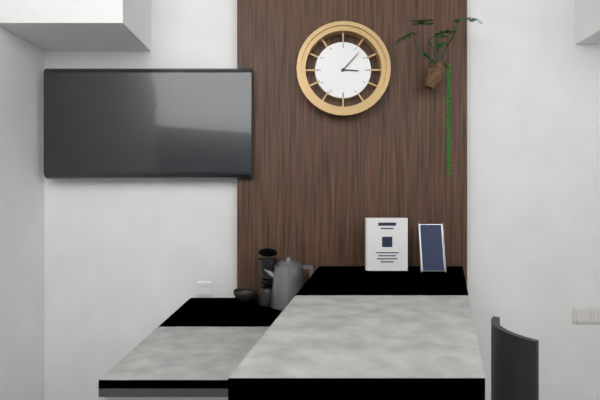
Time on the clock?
3:07
